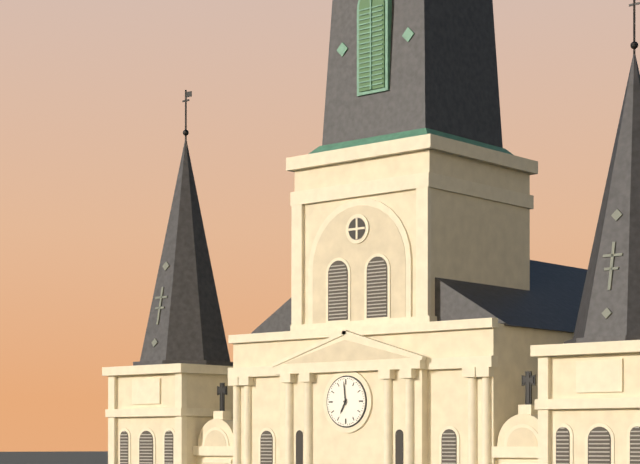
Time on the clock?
6:59
